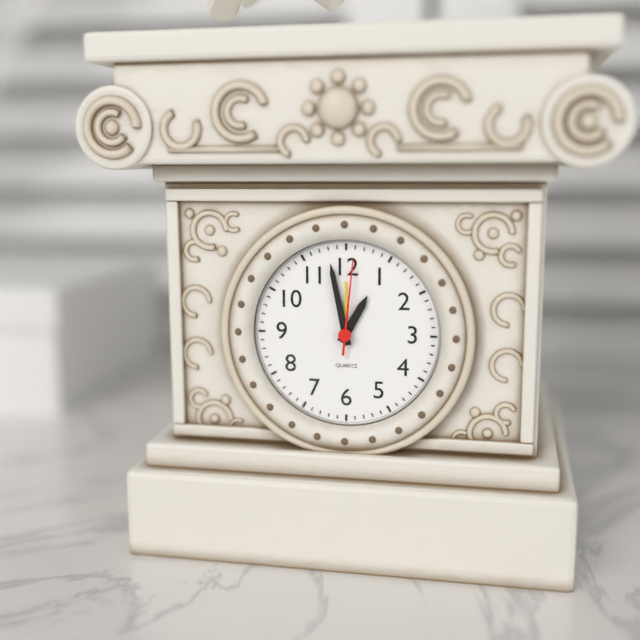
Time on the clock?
12:58:01
